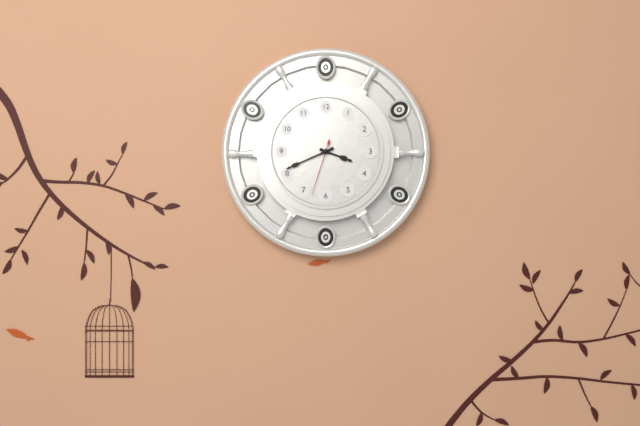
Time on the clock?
3:41:33
